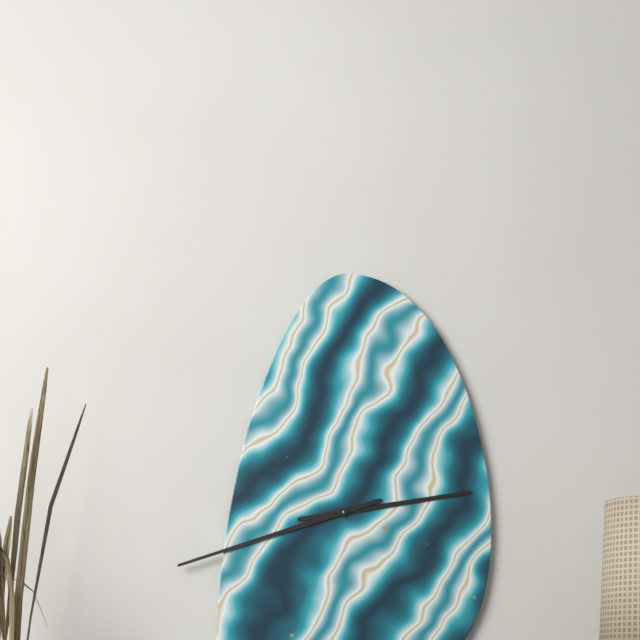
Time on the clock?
2:42
